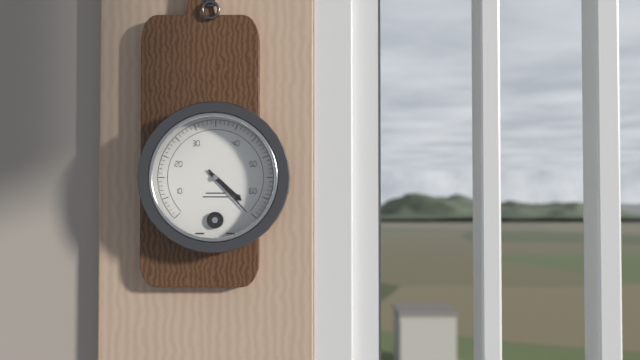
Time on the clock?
4:23
